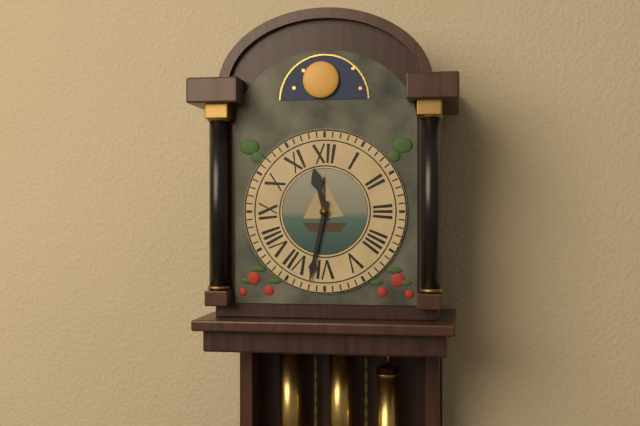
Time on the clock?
11:32
